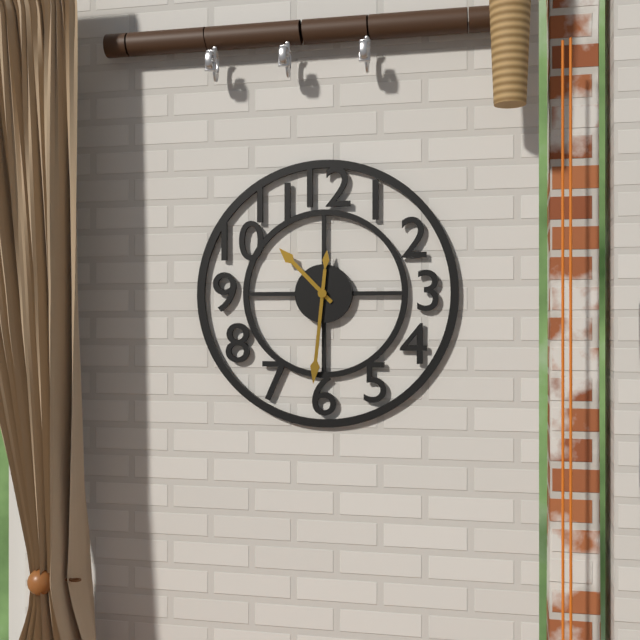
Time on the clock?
10:31
